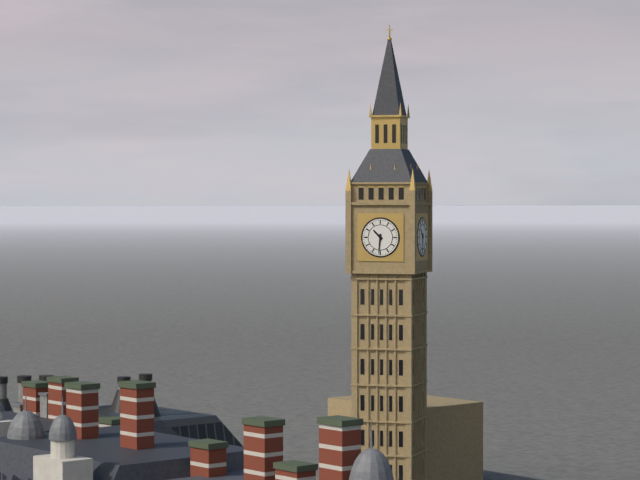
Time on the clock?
10:31
